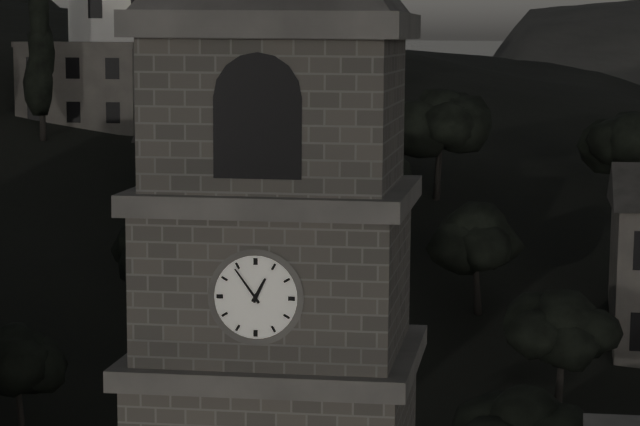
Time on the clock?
12:54
